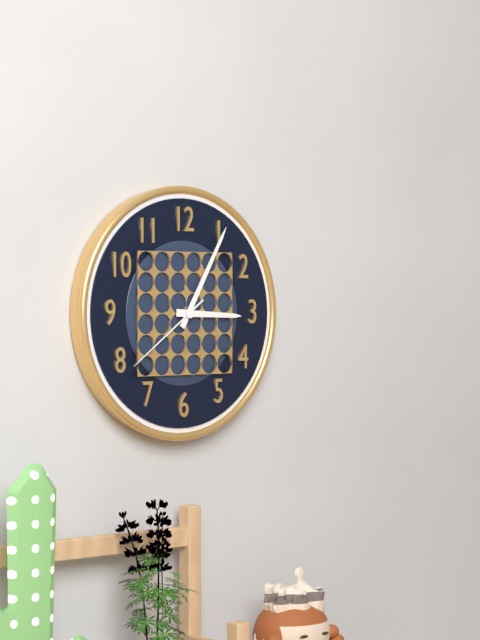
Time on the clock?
3:05:39
